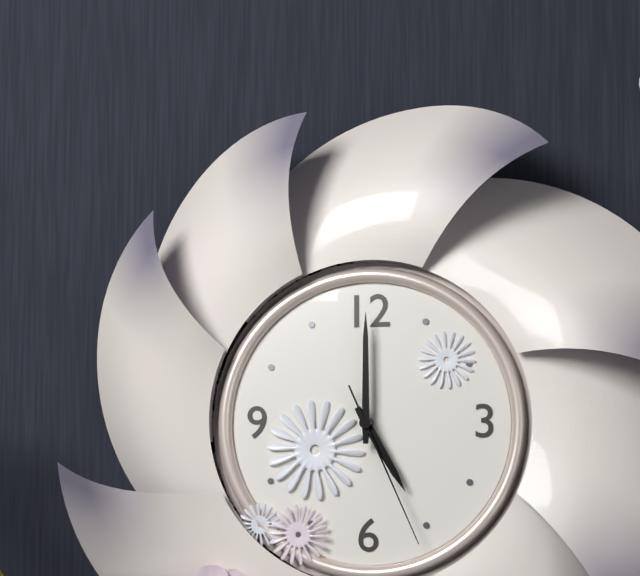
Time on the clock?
5:00:26
